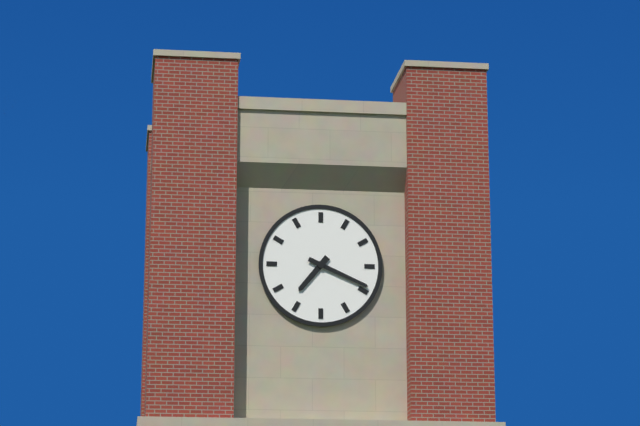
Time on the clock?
7:19
